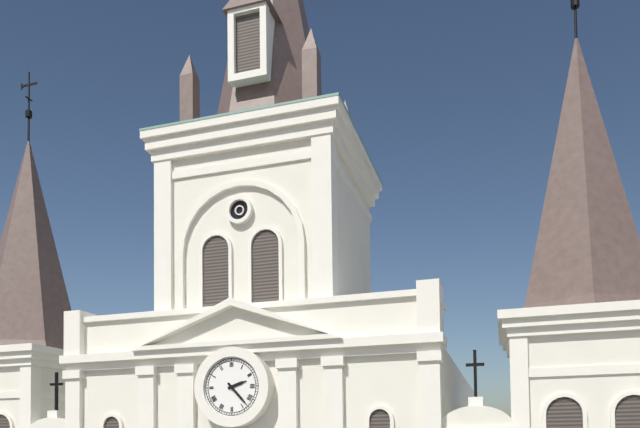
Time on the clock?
2:23
